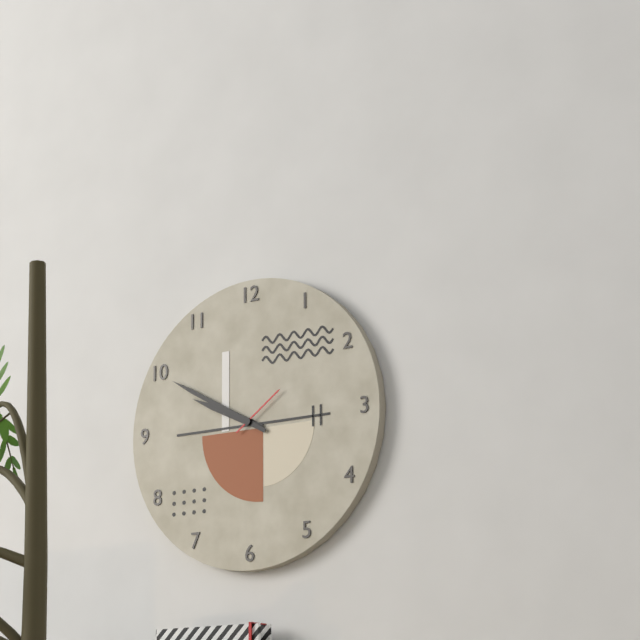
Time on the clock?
9:50:09
